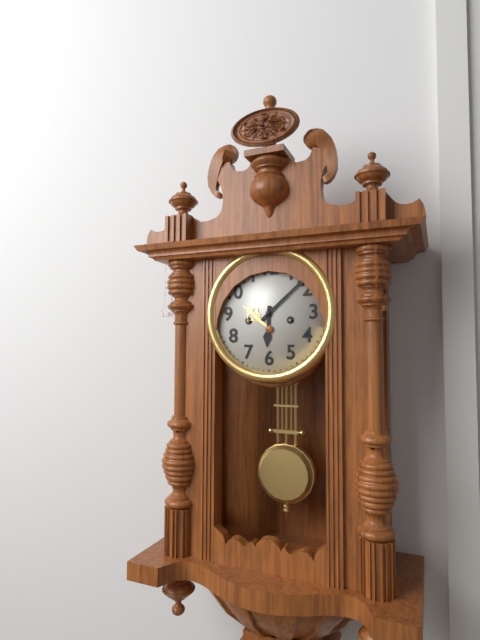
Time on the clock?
6:08
